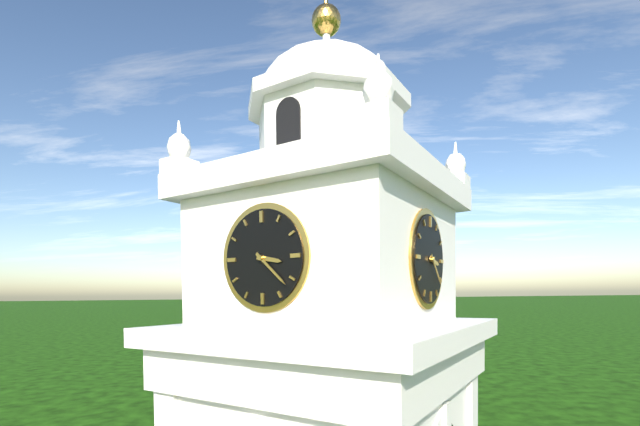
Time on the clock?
3:22
